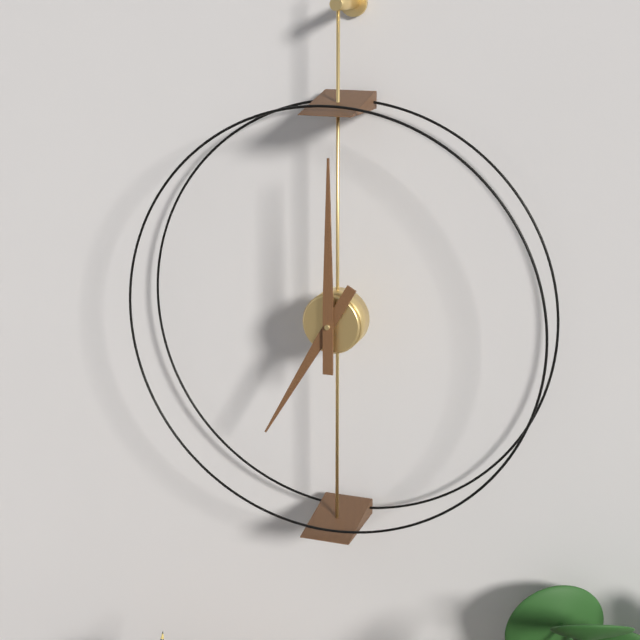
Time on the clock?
7:00
